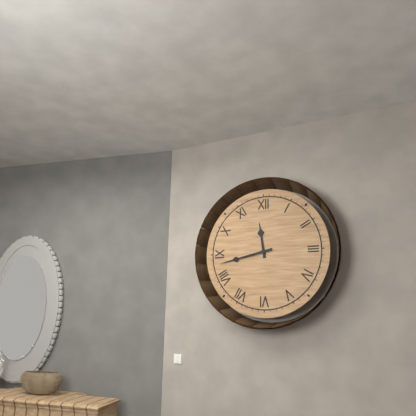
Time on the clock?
11:43
